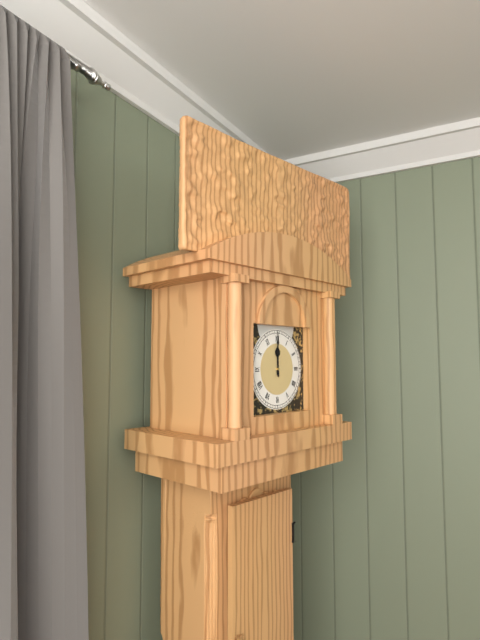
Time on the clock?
12:00
